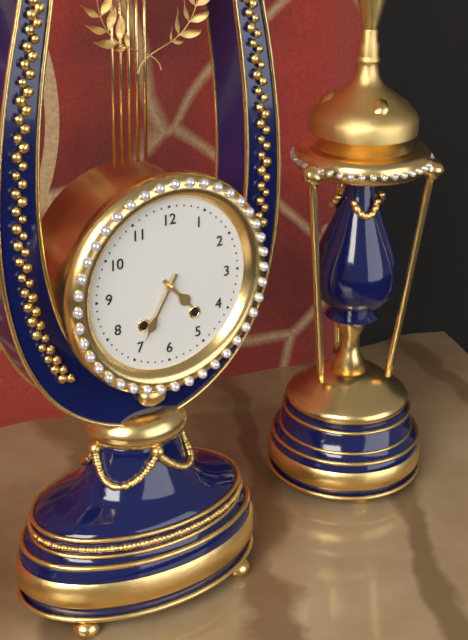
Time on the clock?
4:35
